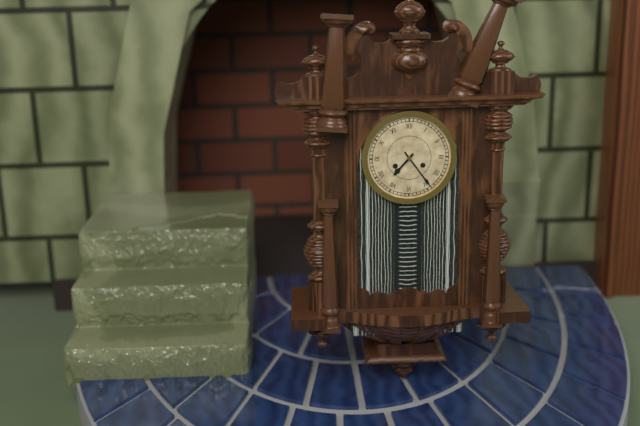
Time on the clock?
7:24
